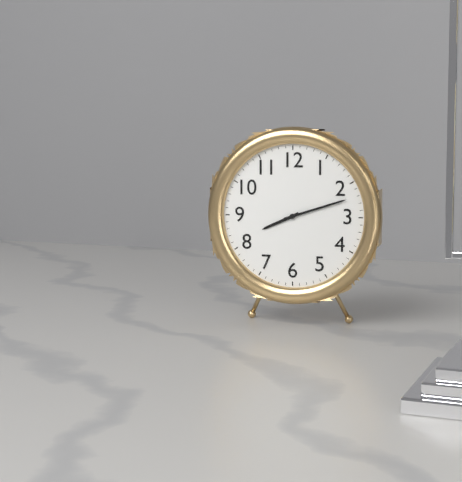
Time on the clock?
8:12
